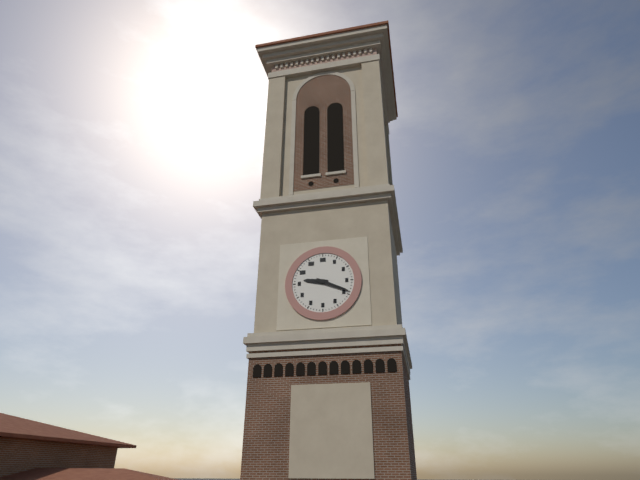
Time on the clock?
9:19
